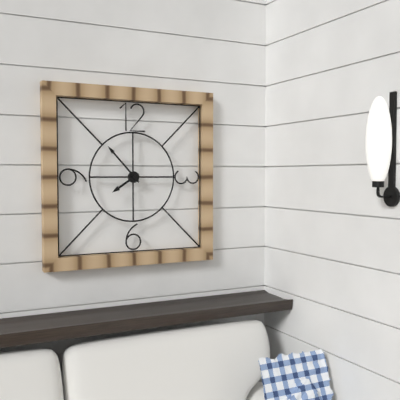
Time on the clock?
7:53
